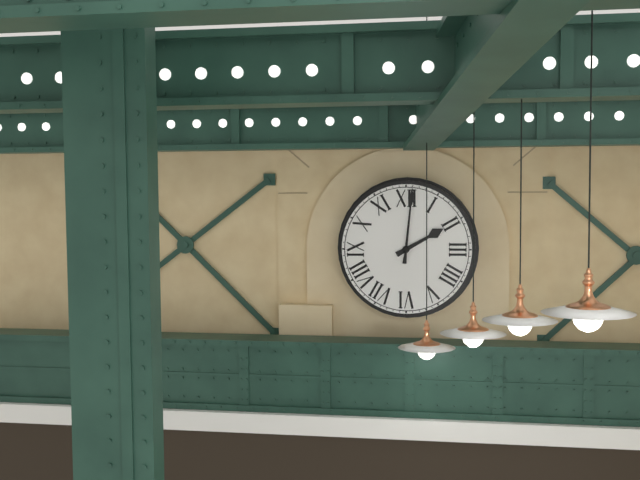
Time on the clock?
2:01
